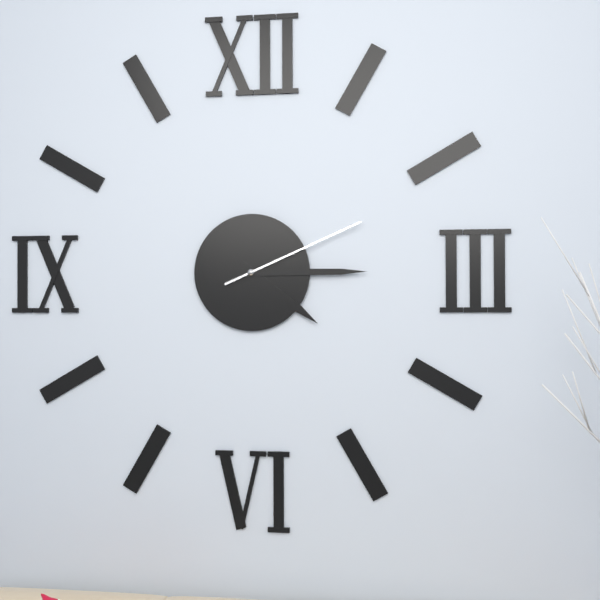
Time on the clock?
4:15:11
